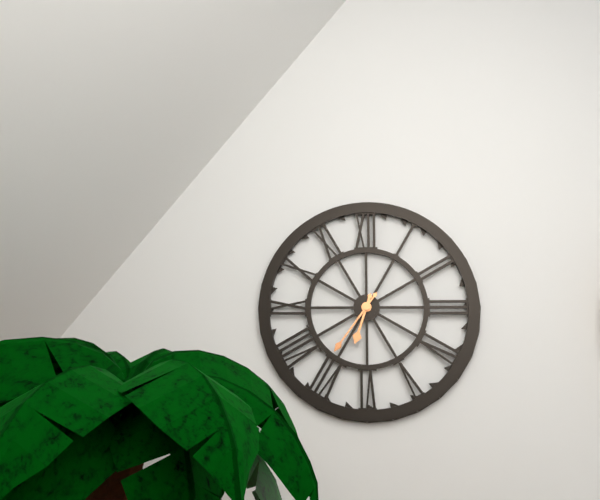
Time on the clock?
6:36
